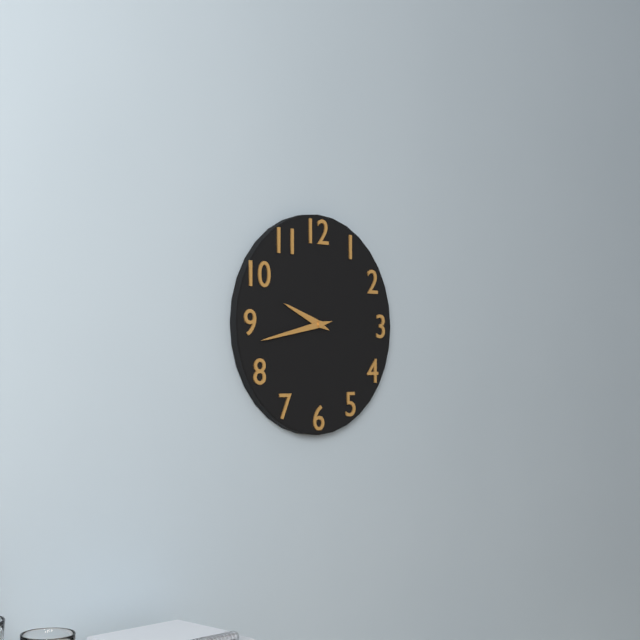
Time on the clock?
9:43
